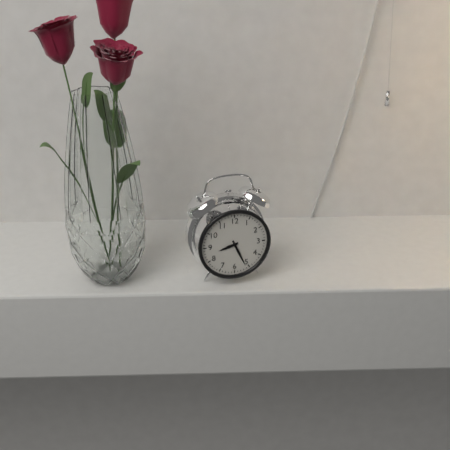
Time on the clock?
8:26
